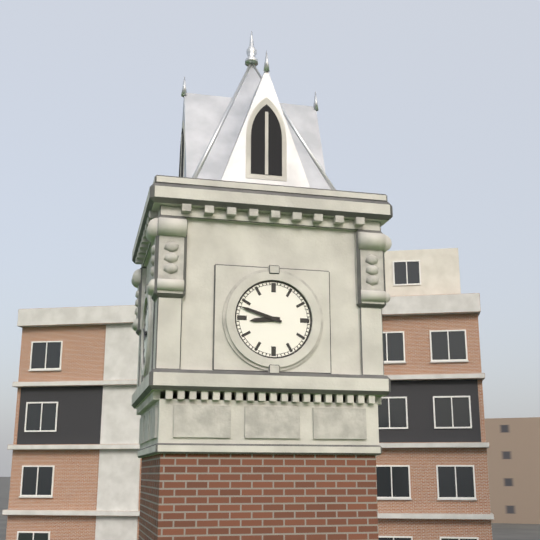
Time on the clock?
8:48
